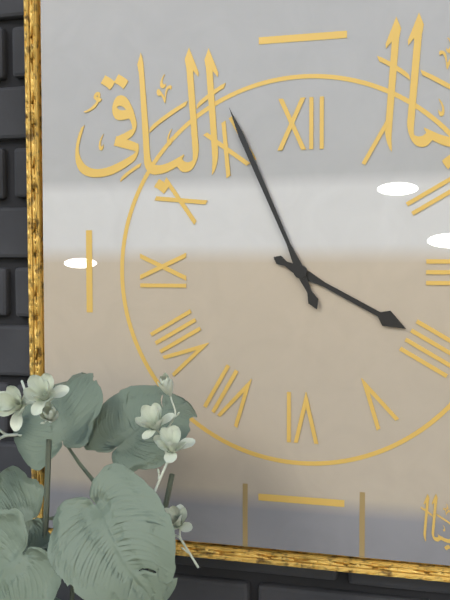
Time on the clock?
3:56
